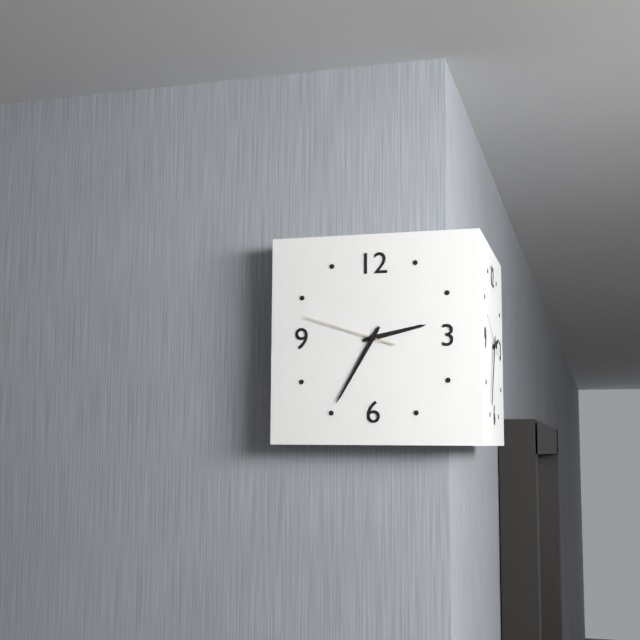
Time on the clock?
2:35:48
